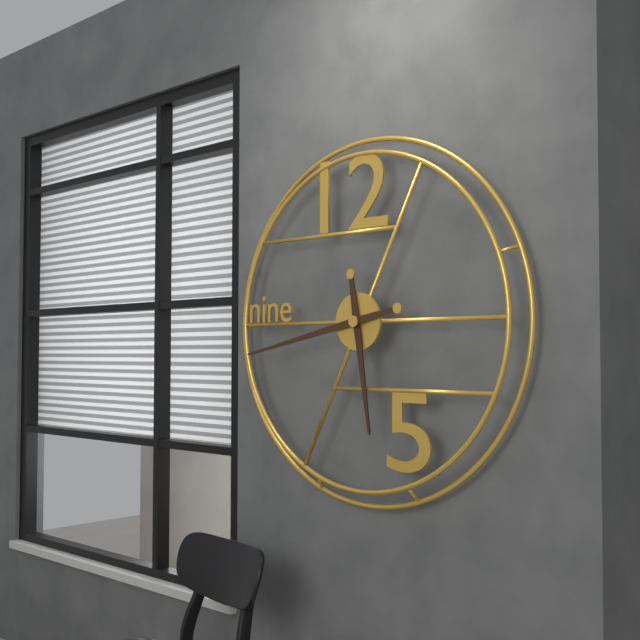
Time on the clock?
5:43
